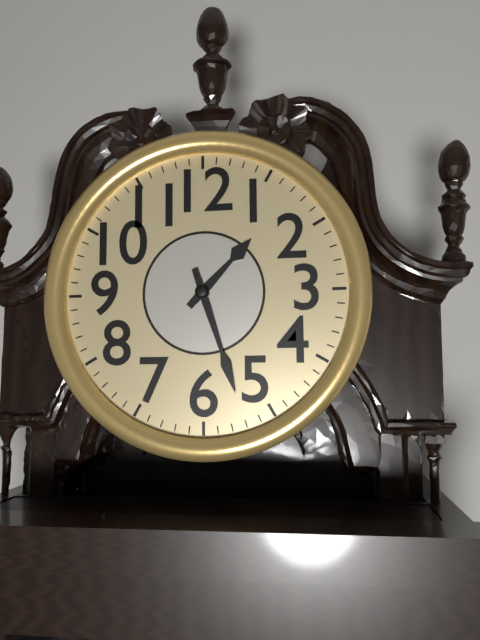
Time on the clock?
1:27
